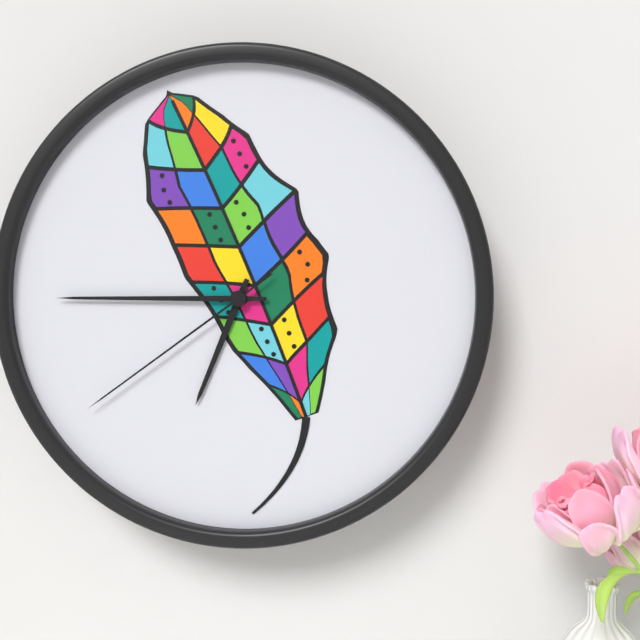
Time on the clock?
6:45:39
